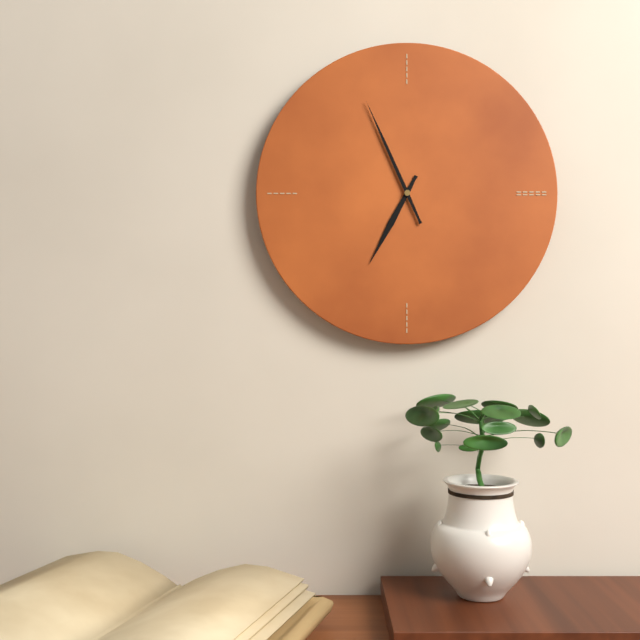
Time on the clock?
6:56
